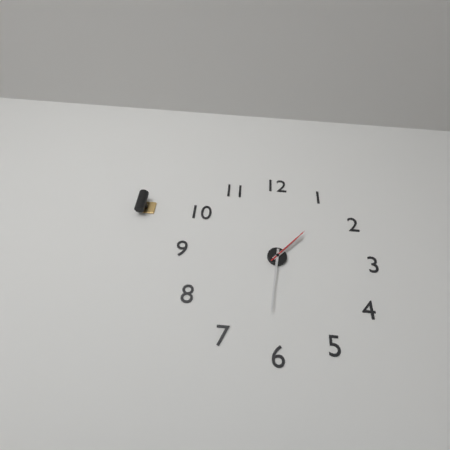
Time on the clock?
1:31
